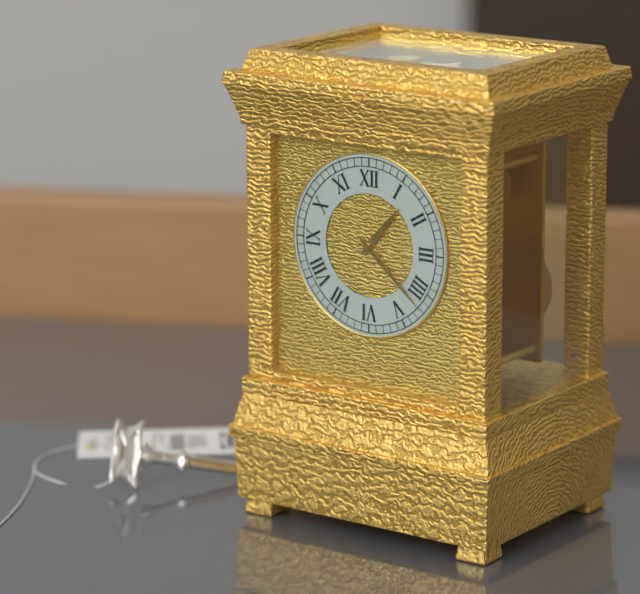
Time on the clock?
1:22
